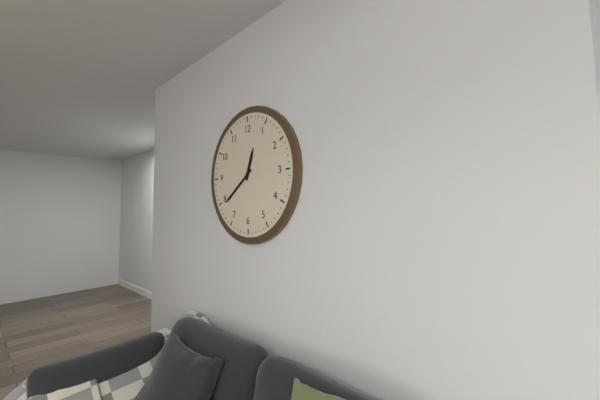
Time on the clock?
12:39
